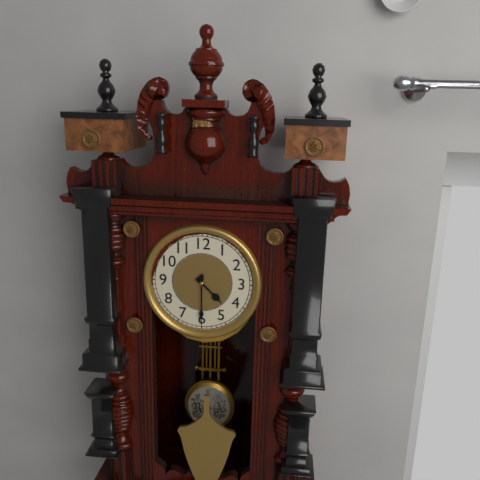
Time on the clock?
4:30
